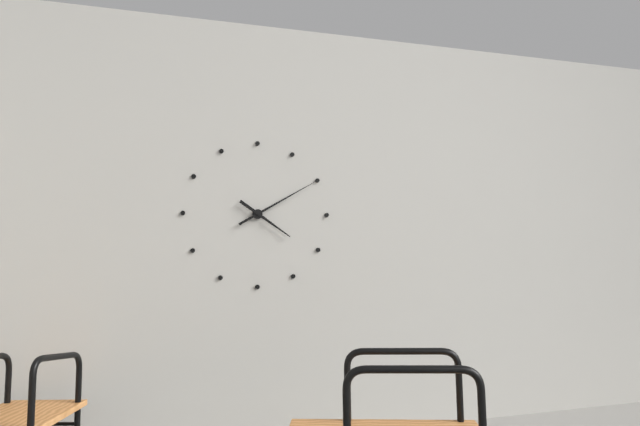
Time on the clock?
4:10
